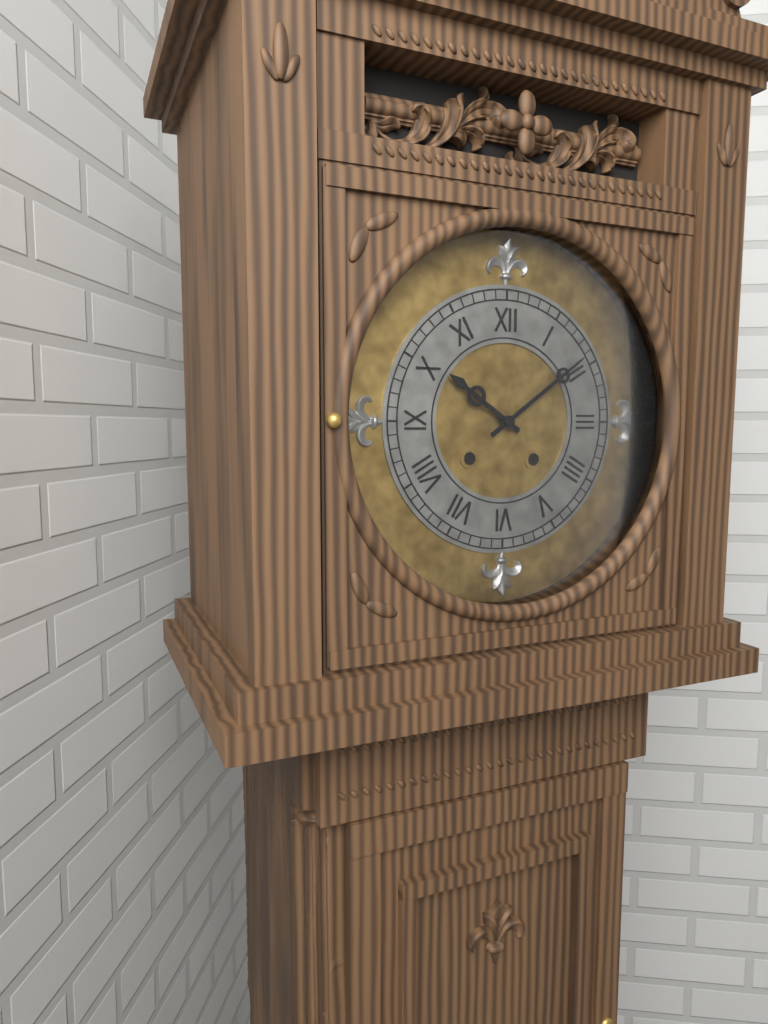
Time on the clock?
10:09
